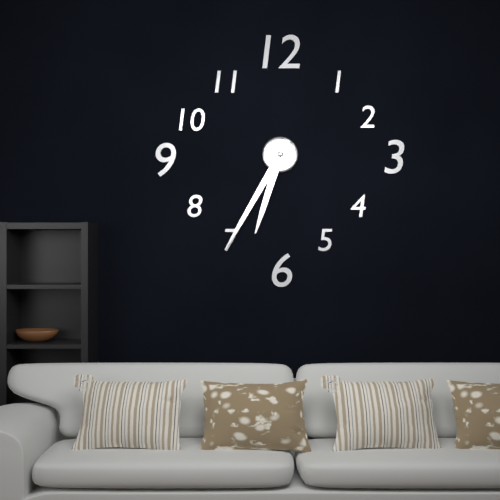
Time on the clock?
6:35
